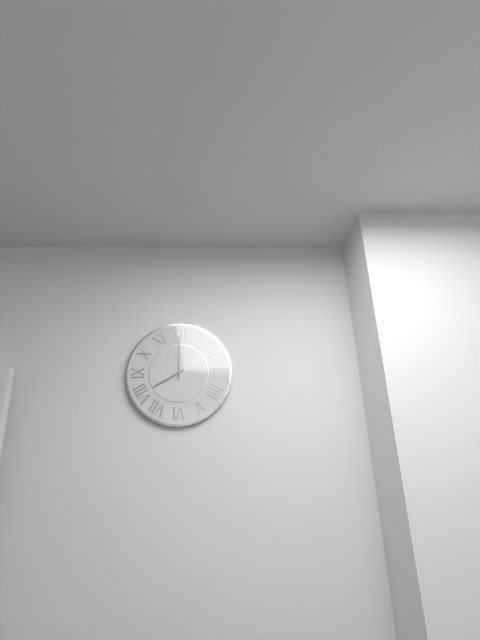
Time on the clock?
8:00
